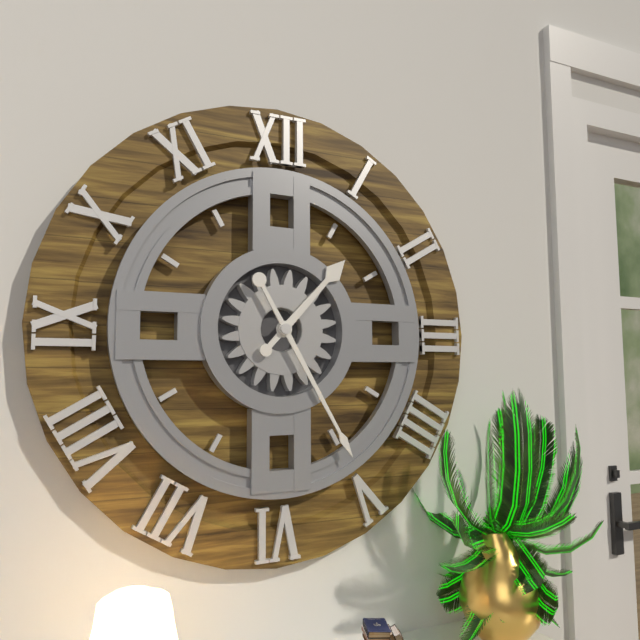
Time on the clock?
1:25
